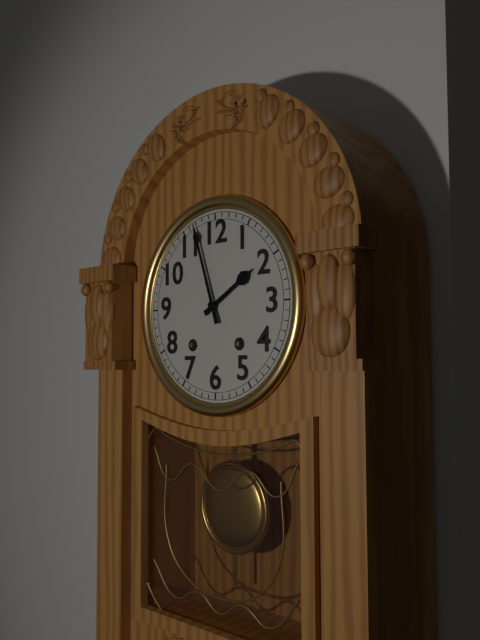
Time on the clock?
1:57
